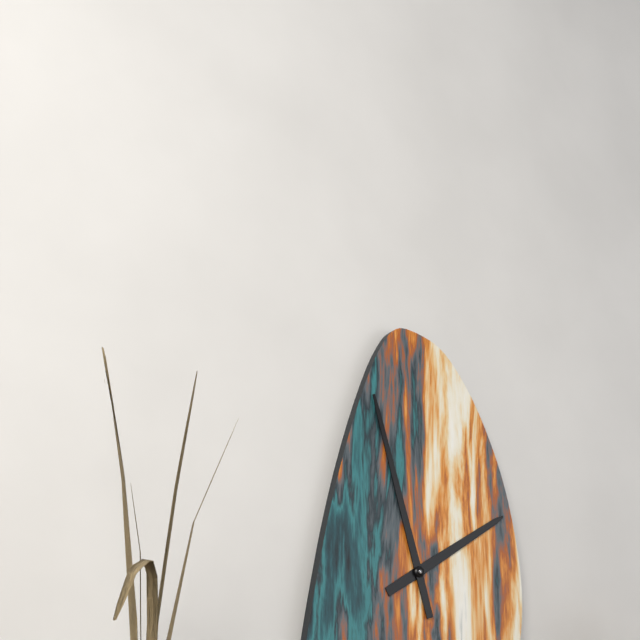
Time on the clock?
1:57
